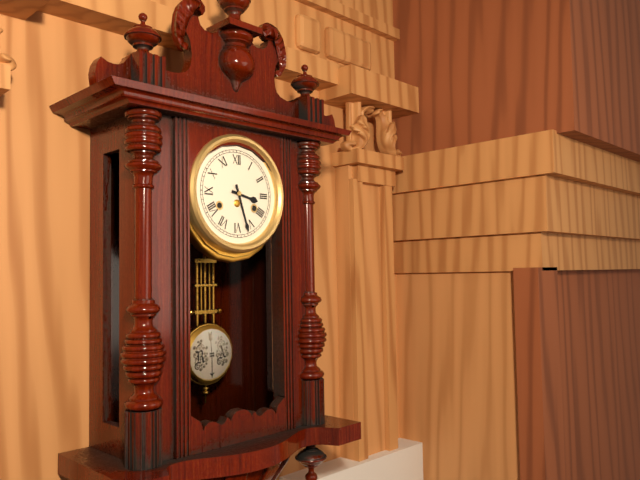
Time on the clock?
3:27
